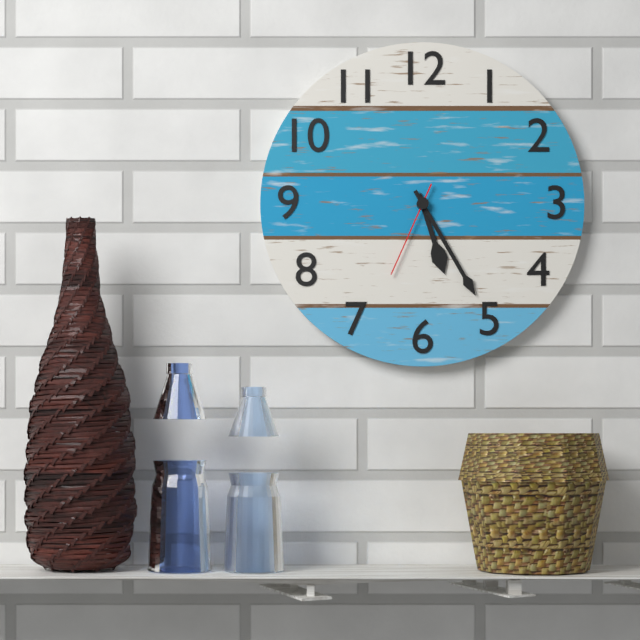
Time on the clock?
5:25:34
